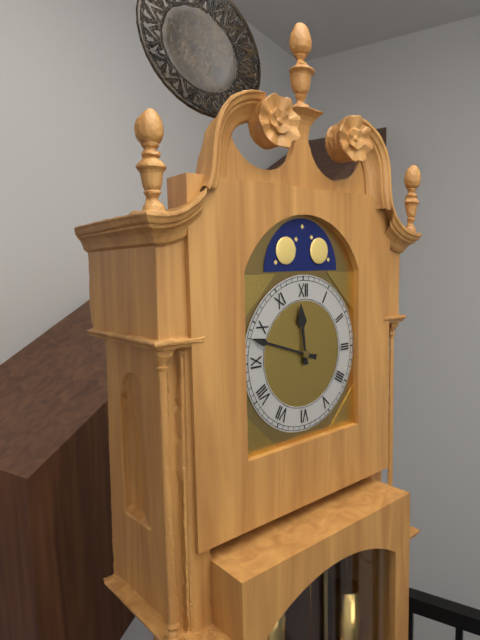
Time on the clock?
11:48
